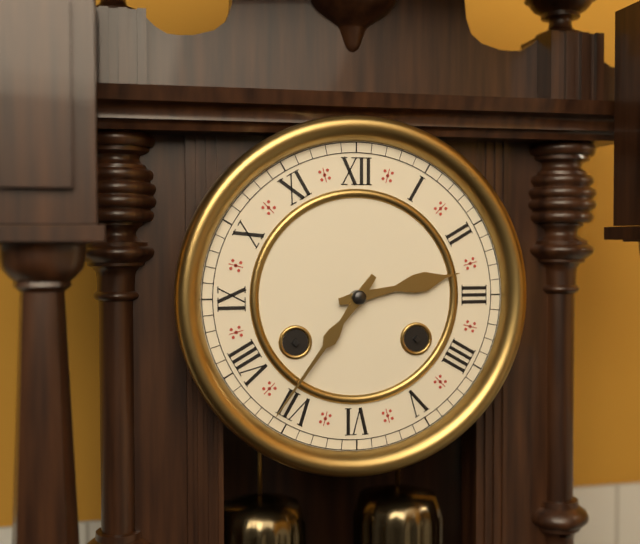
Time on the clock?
2:36
